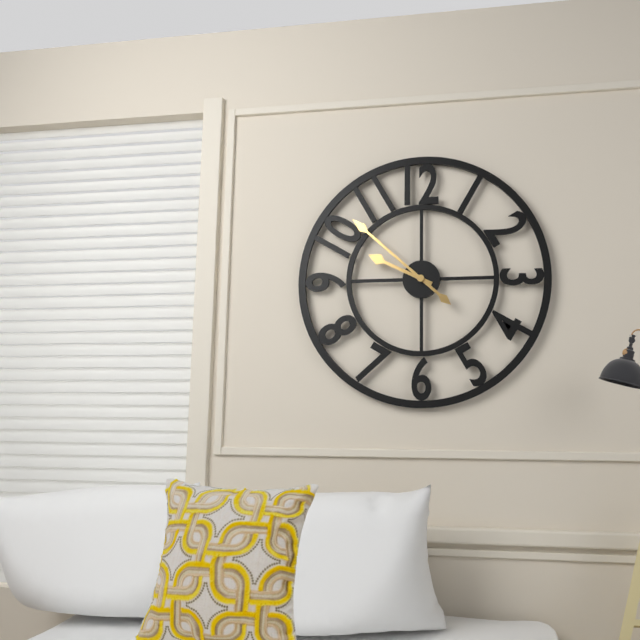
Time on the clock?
9:52
